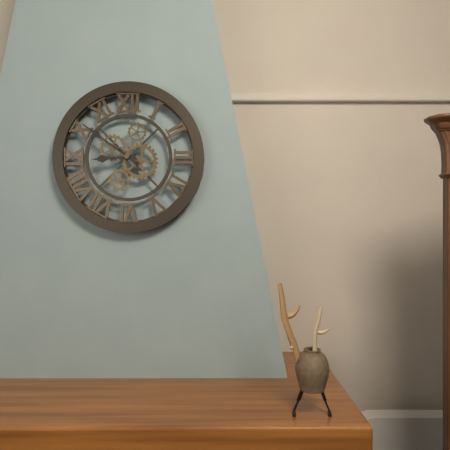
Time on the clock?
8:51
